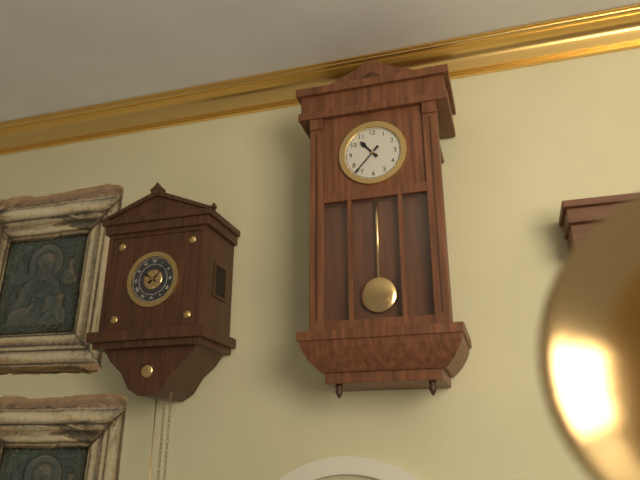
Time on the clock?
10:37
